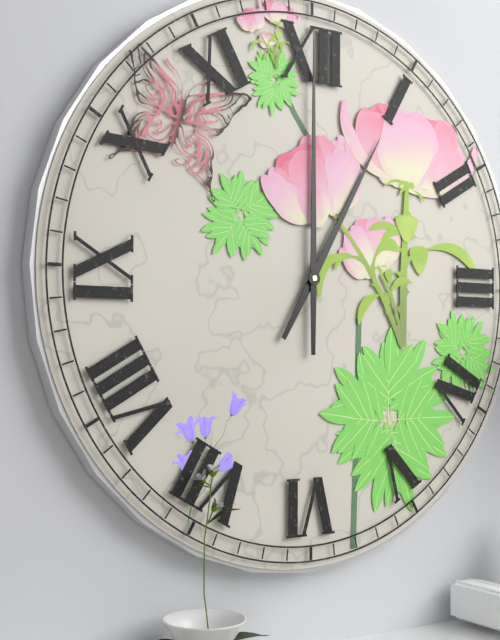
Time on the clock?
1:00
